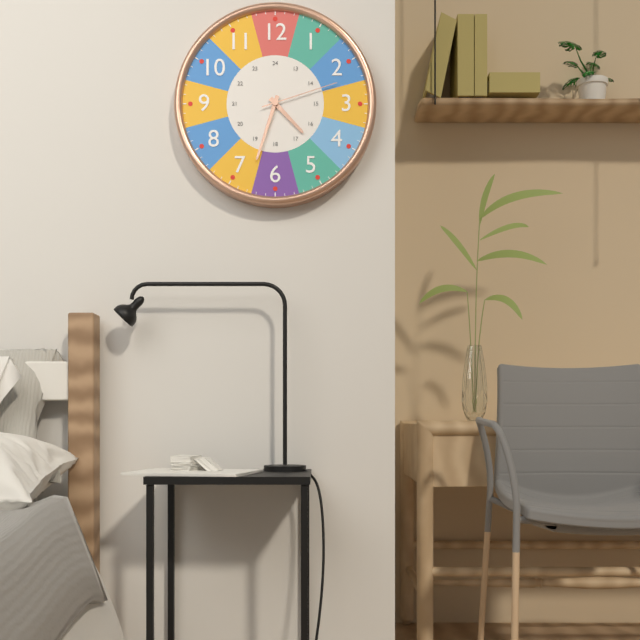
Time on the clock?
4:33:12
